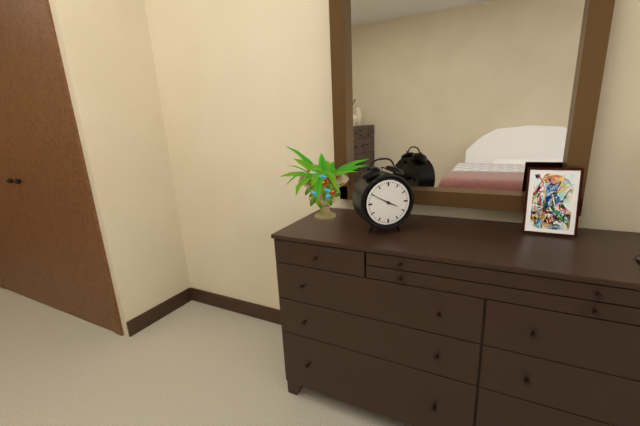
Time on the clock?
3:50
